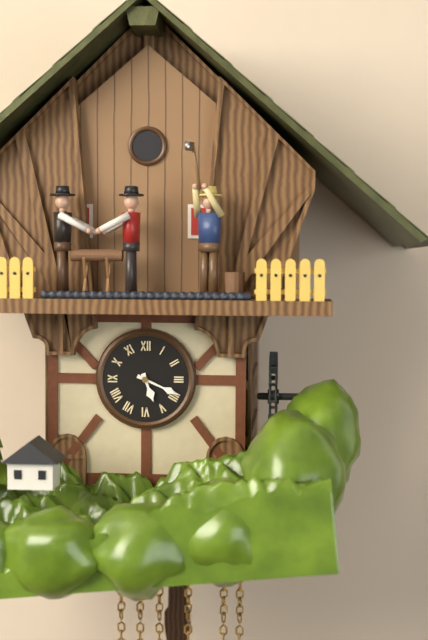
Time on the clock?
5:19
